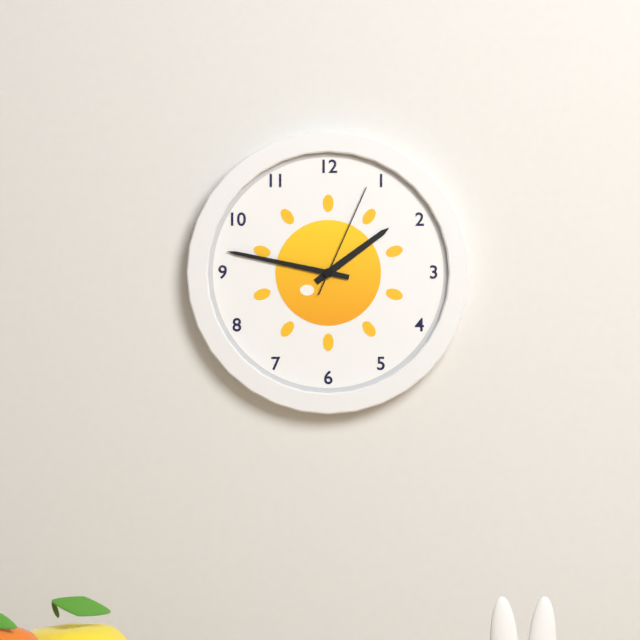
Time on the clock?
1:47:04
